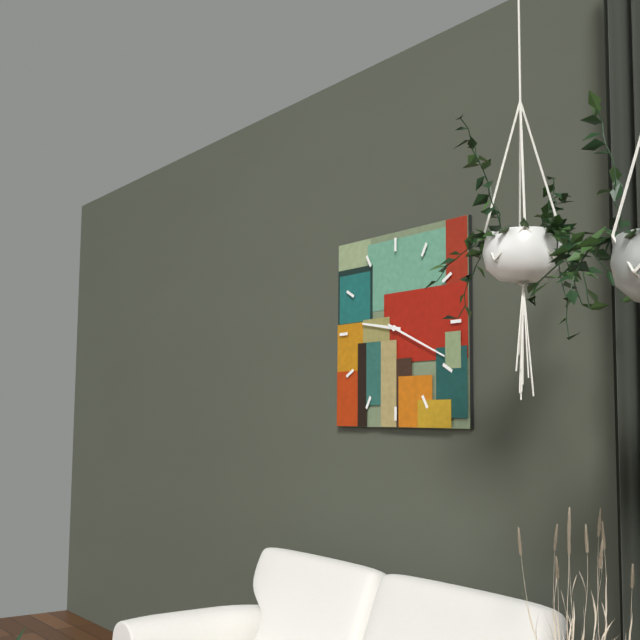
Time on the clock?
9:19
